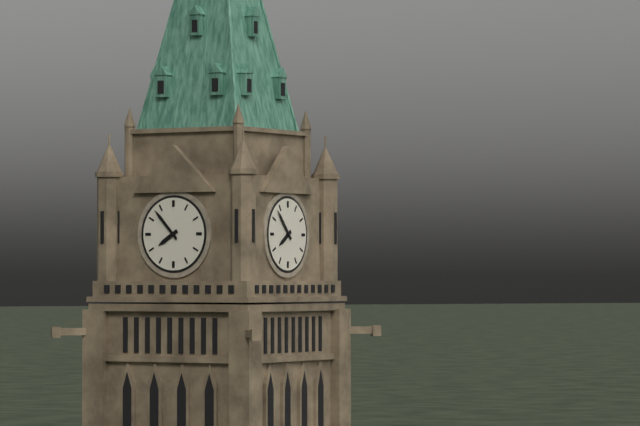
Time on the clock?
7:53
